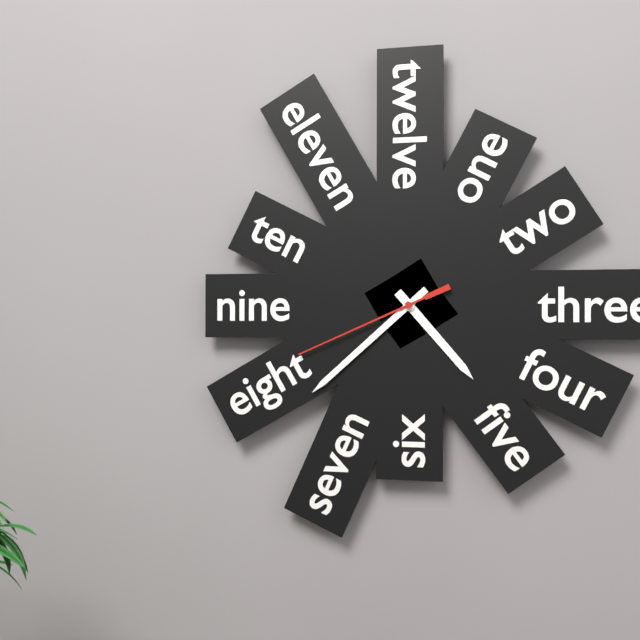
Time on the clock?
4:38:41
